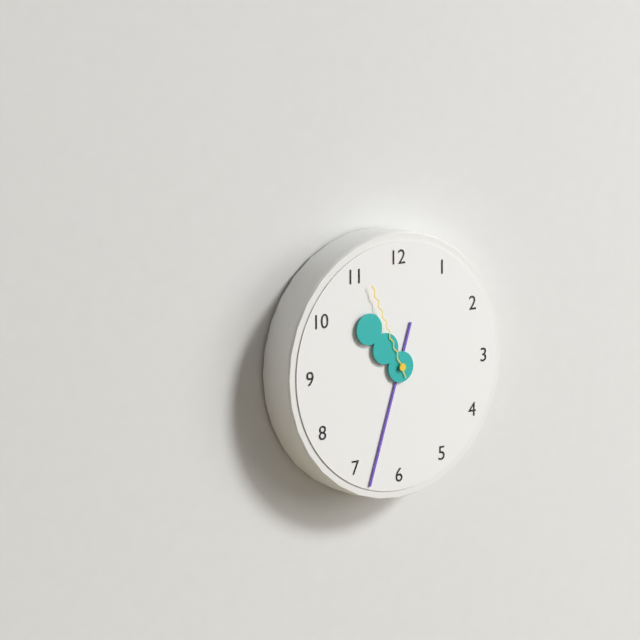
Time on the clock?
10:33:56
